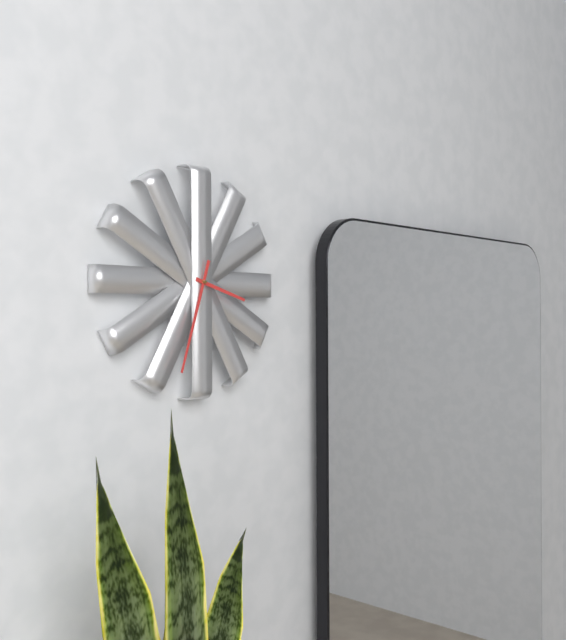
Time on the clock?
3:33
